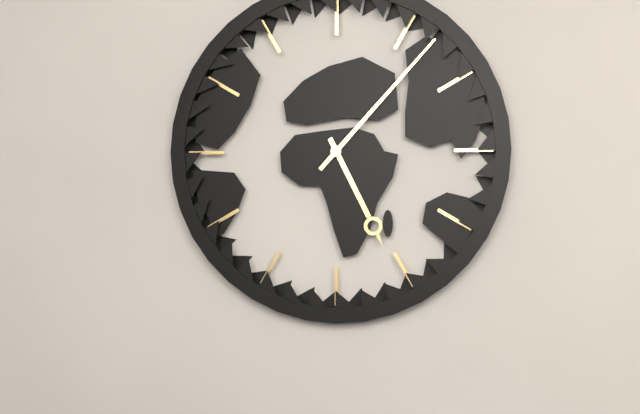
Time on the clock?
5:07
